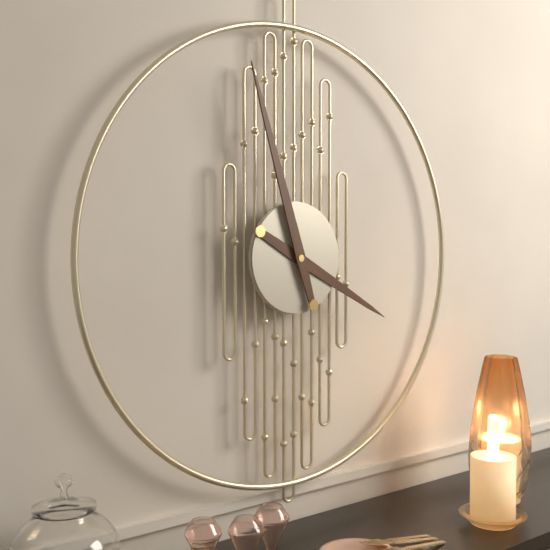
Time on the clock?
3:57
